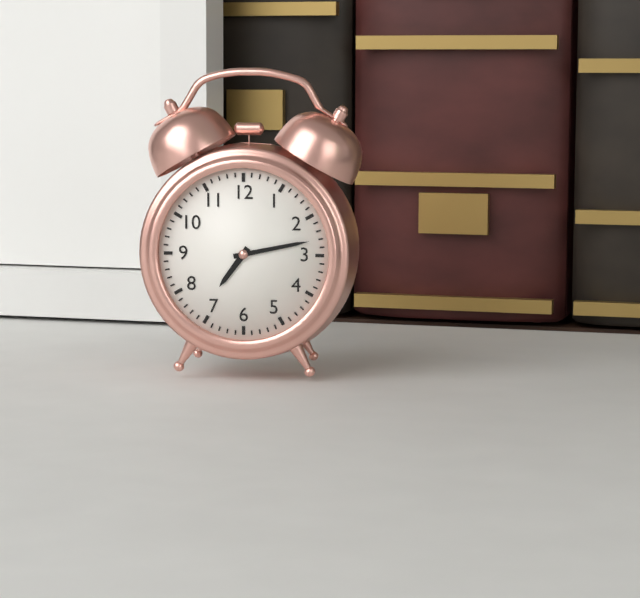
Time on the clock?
7:13
